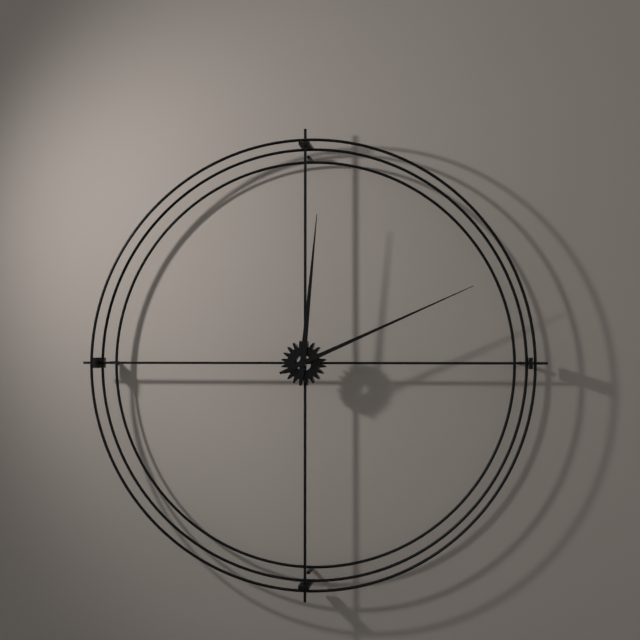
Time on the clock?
12:11
